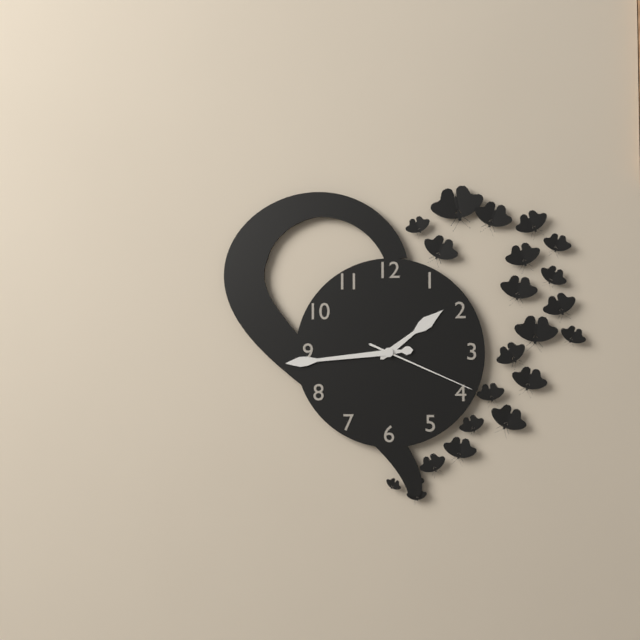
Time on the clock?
1:44:19
